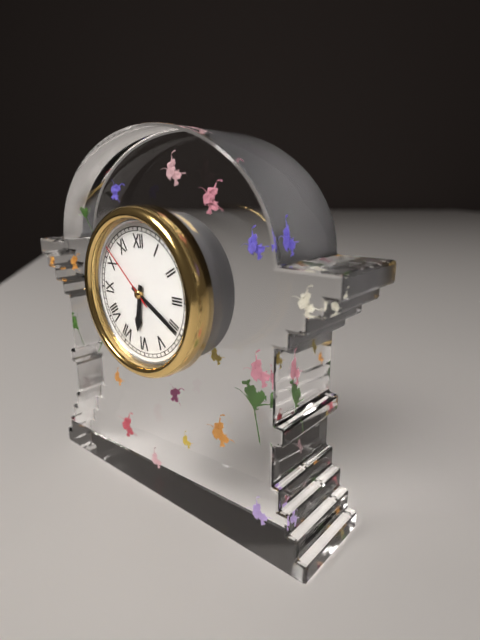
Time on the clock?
6:20:52
